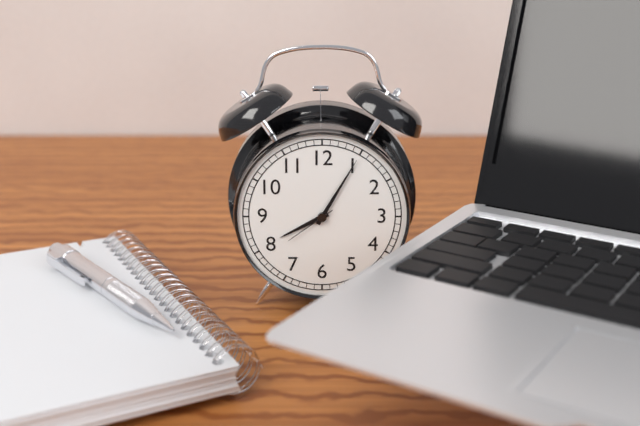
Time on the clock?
8:05:39
